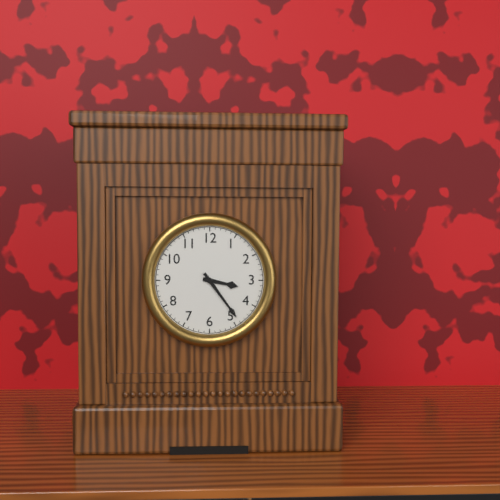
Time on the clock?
3:24
